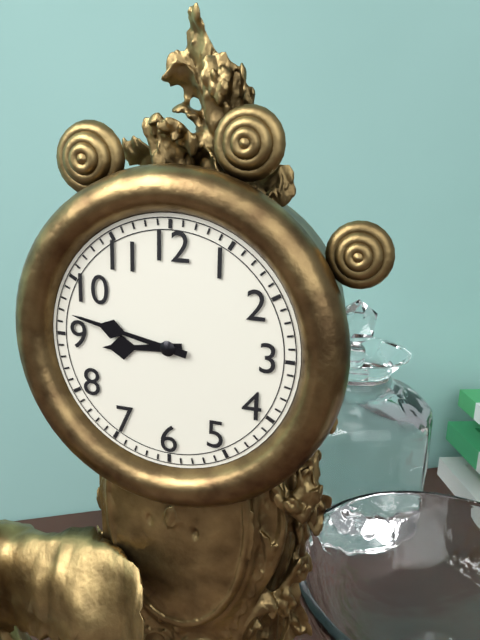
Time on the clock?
8:47
